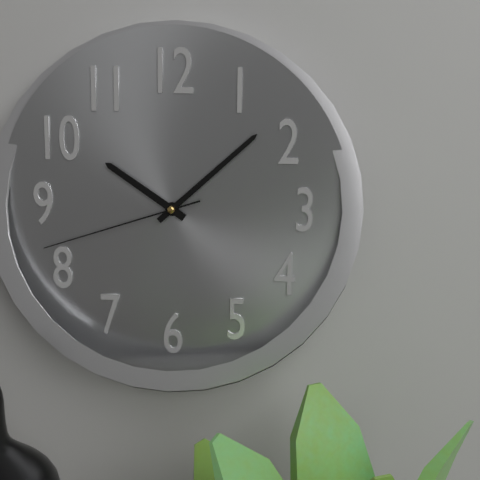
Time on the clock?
10:08:42
